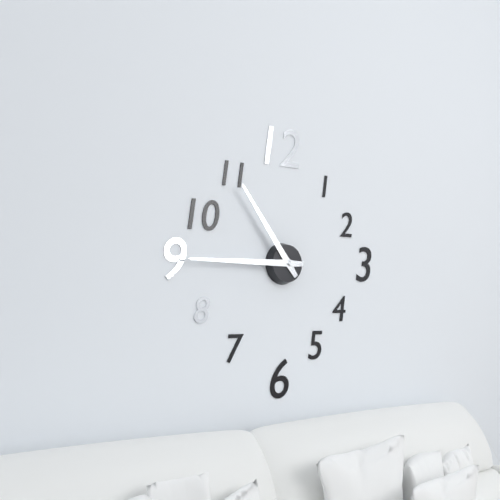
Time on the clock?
10:45
